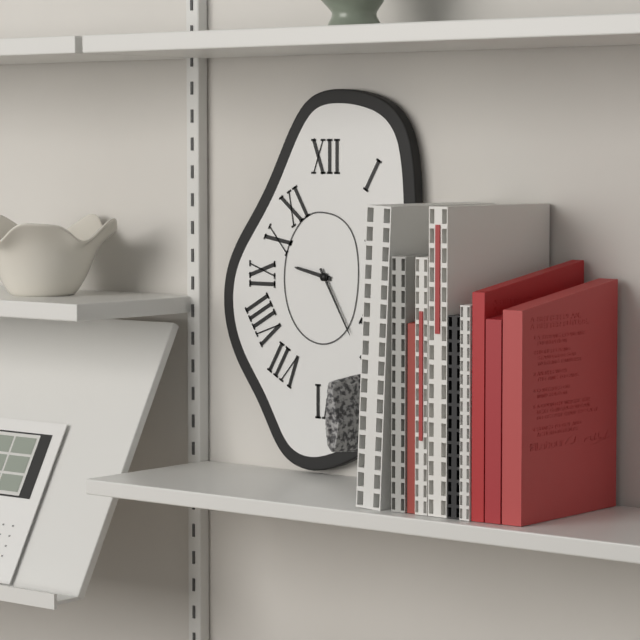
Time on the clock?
9:25
